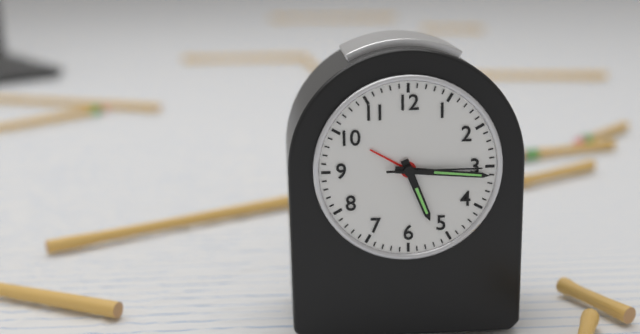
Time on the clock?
5:16:15
